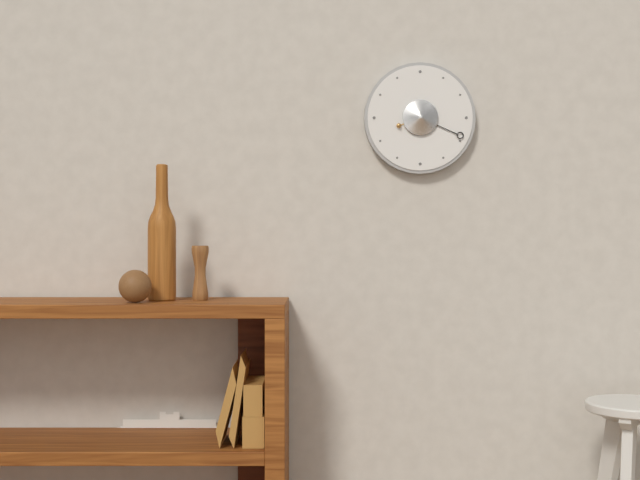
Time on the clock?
8:19
